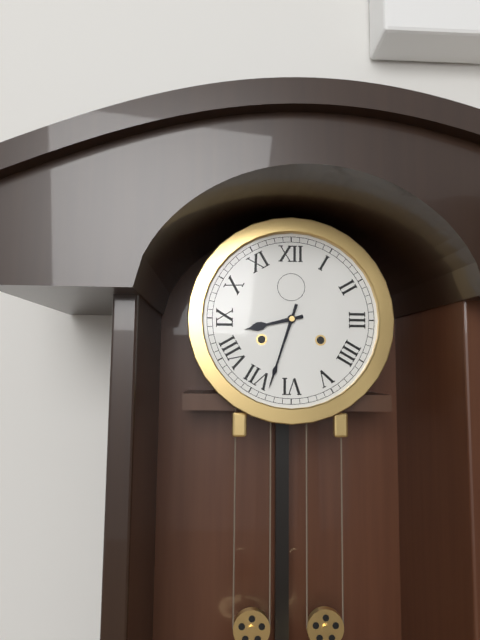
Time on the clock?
8:33
